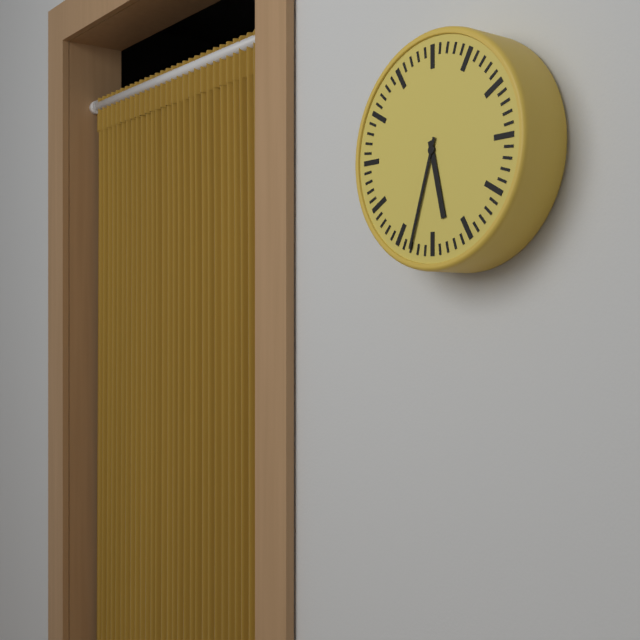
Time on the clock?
5:33
